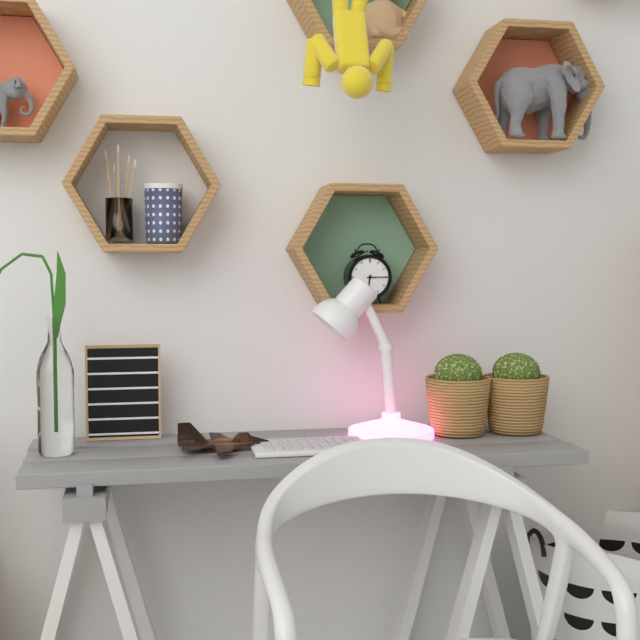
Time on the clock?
6:15
